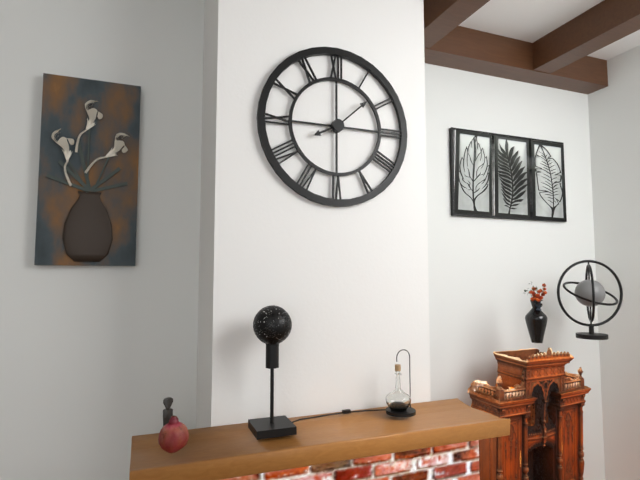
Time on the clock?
8:08
